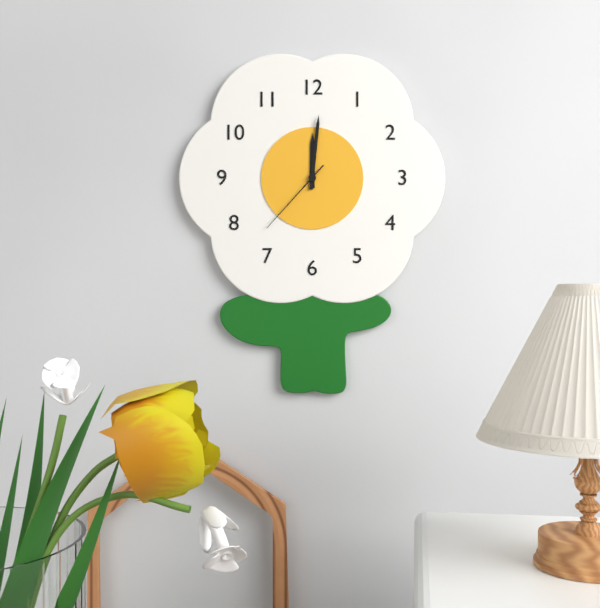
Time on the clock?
12:01:37
